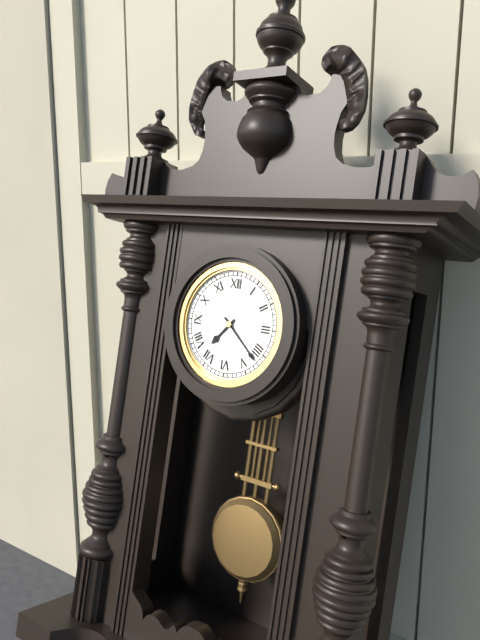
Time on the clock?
7:22
